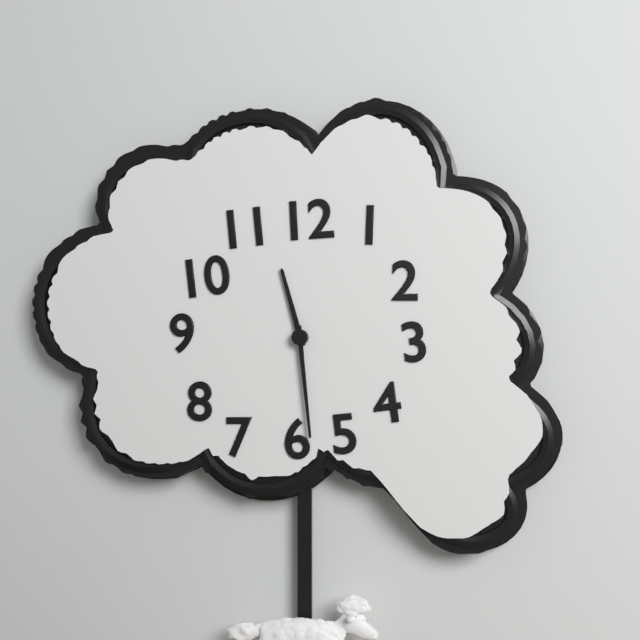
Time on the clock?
11:29
